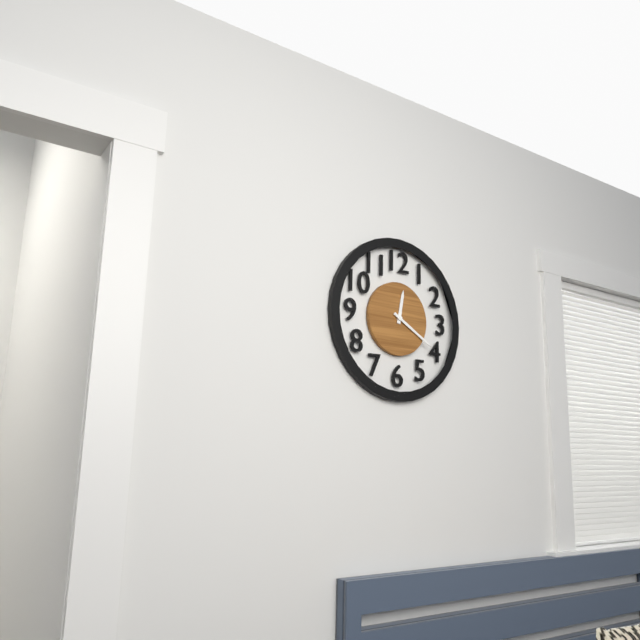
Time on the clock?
12:20
